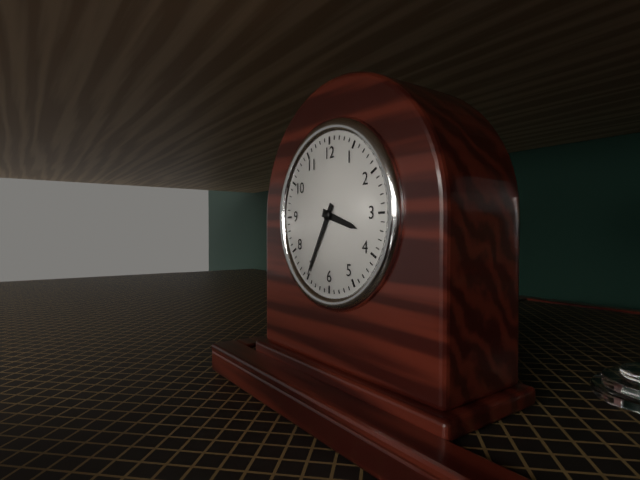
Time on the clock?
3:35
